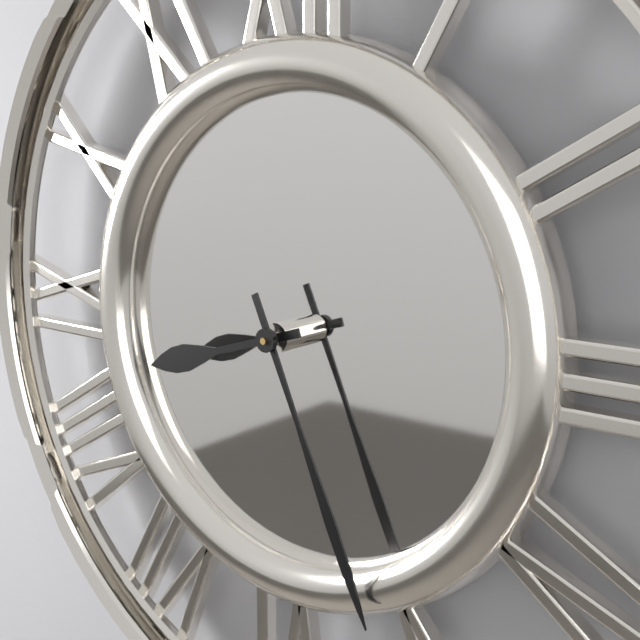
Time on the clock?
8:26
